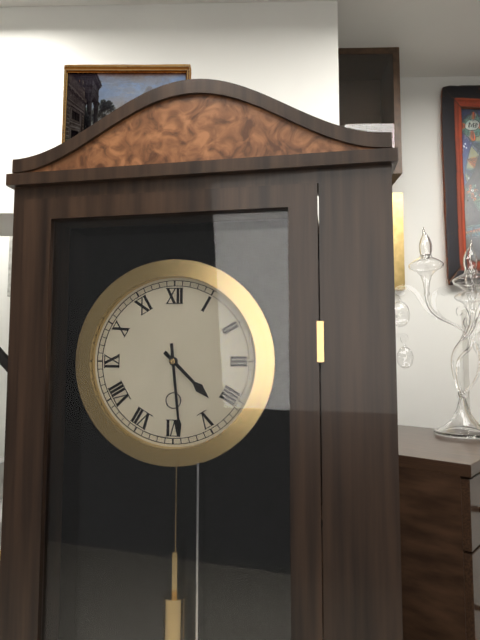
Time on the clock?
4:29
